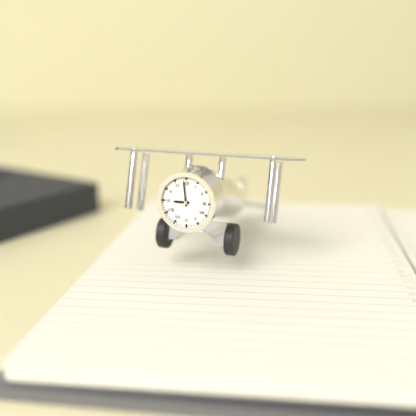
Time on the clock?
8:59
